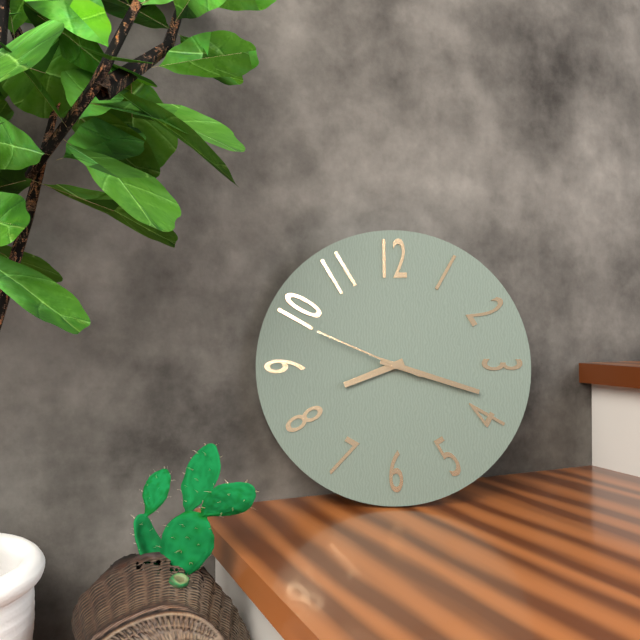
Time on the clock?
8:18:49
